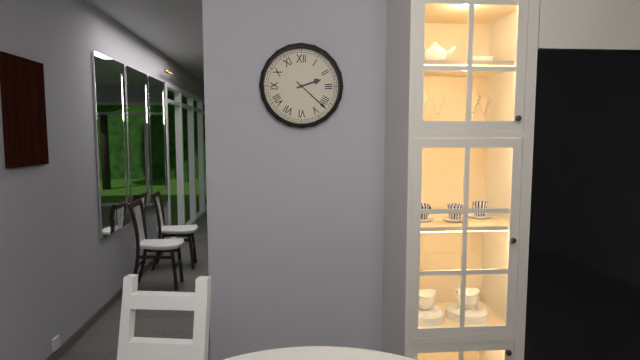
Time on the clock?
2:22
